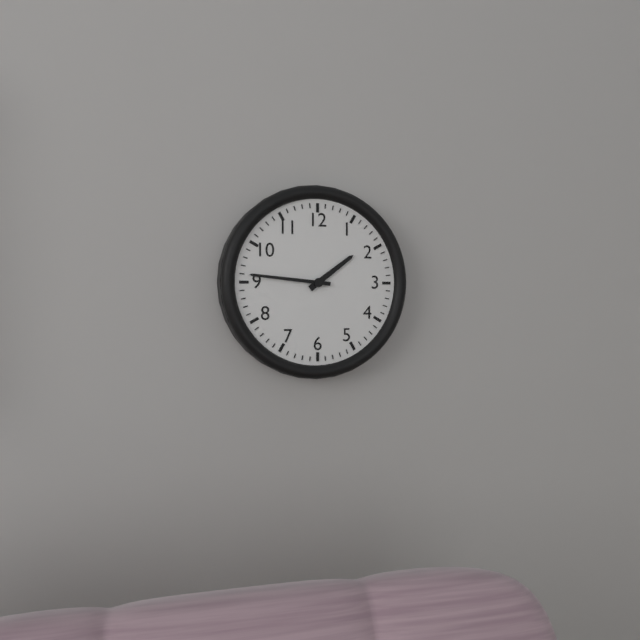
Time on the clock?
1:46
